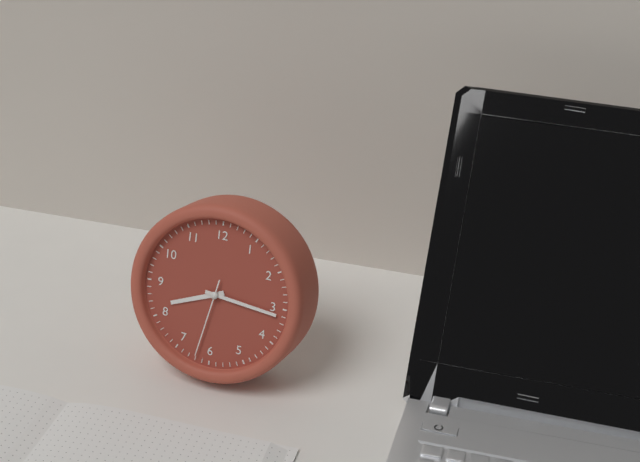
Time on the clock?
8:16:32
